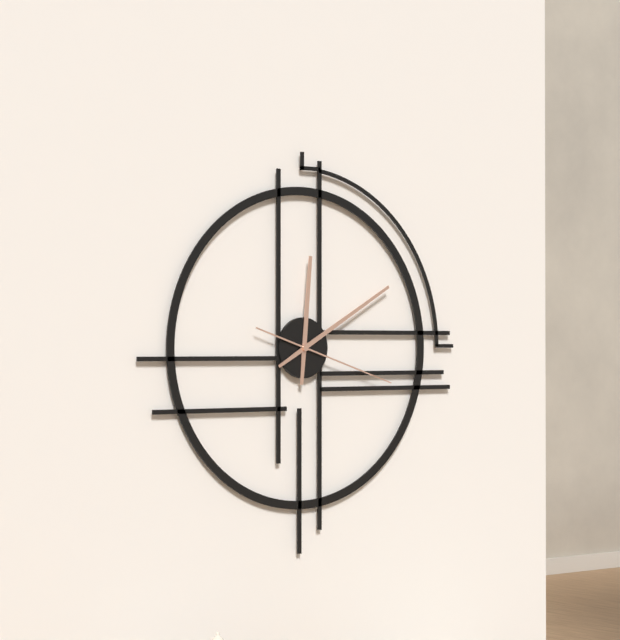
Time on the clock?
12:10:18
